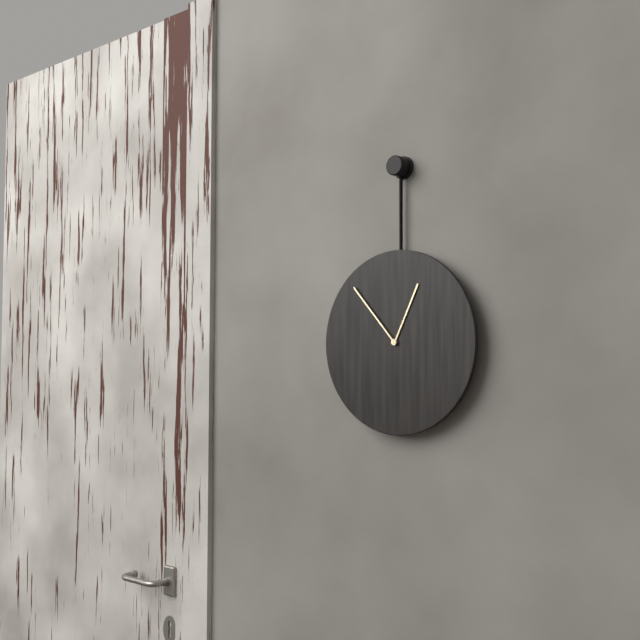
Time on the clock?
12:53
